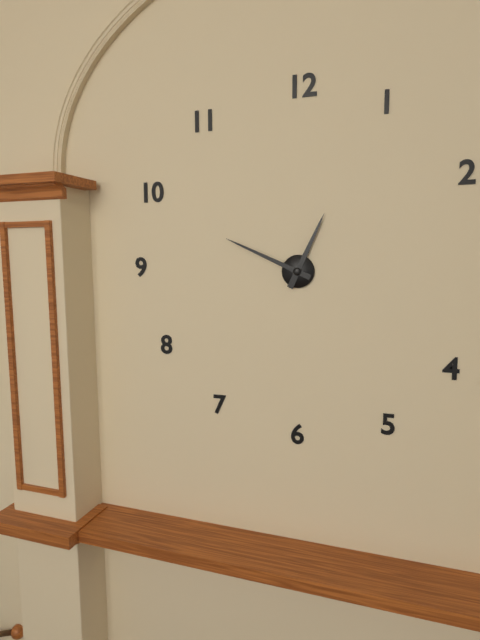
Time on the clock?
12:49
